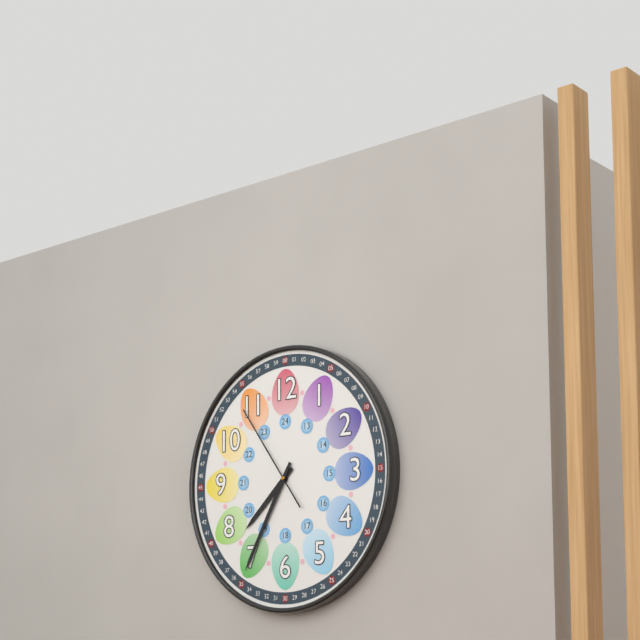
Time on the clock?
7:35:54
